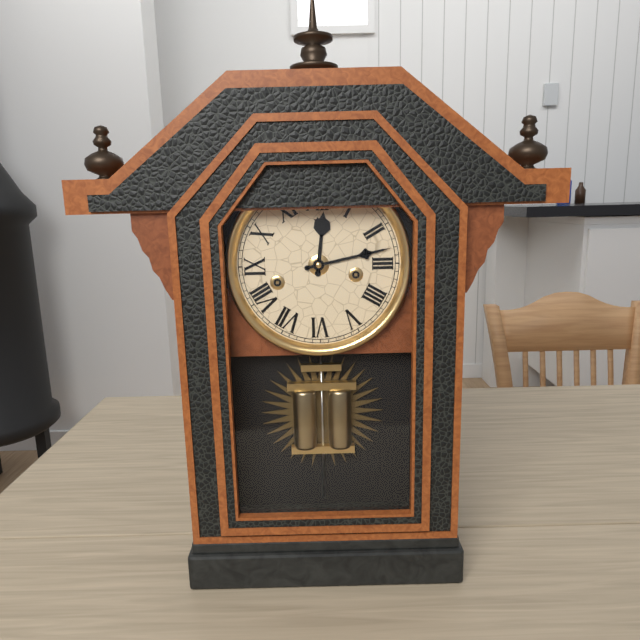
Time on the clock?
12:13
